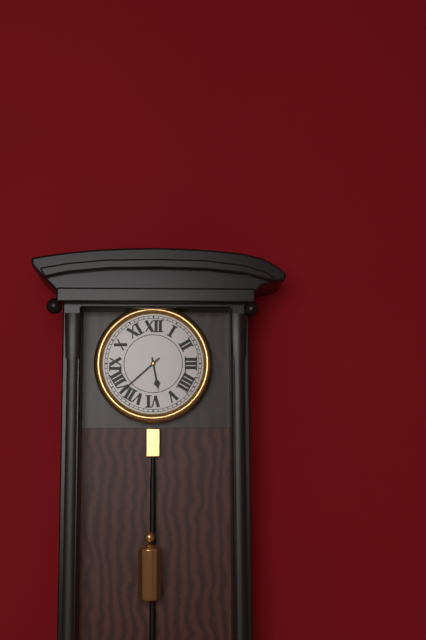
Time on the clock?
5:38
